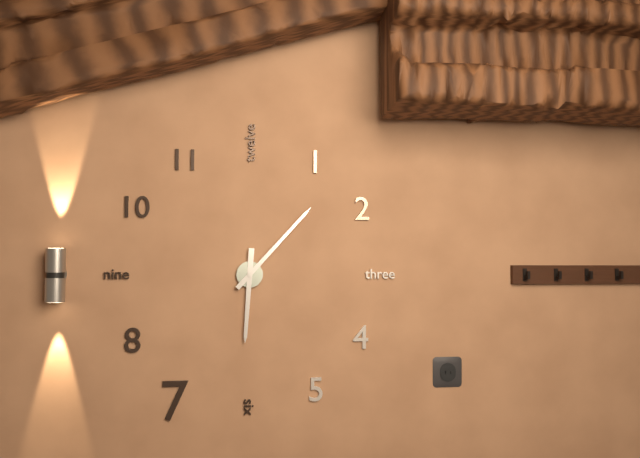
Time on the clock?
6:07
